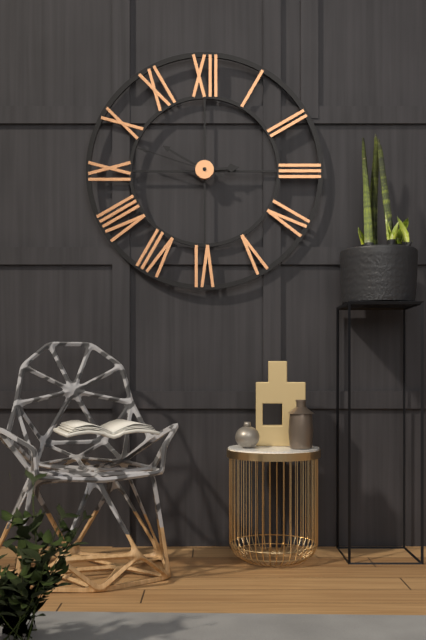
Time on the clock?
2:50:48
